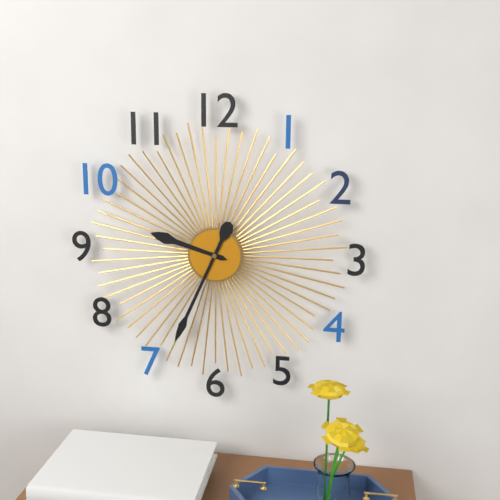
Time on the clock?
9:34
